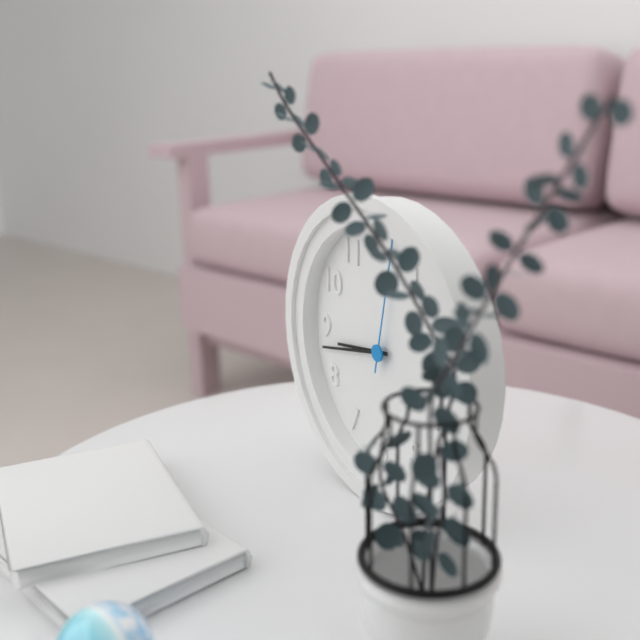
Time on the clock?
8:43
